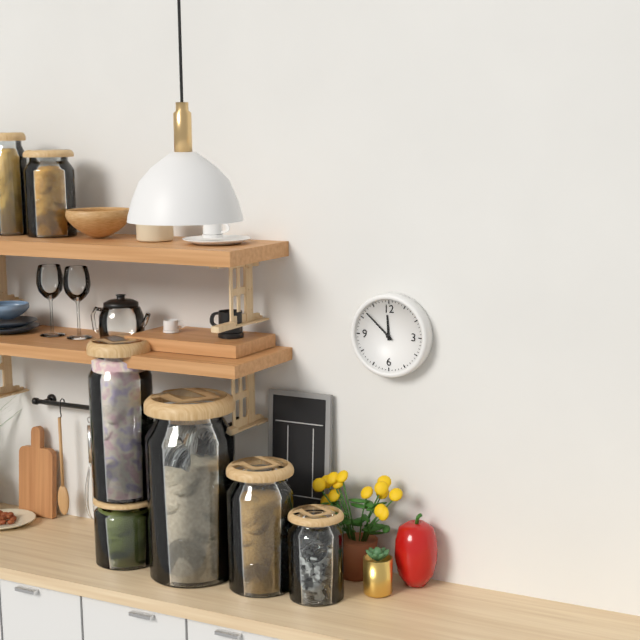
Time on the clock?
11:52
